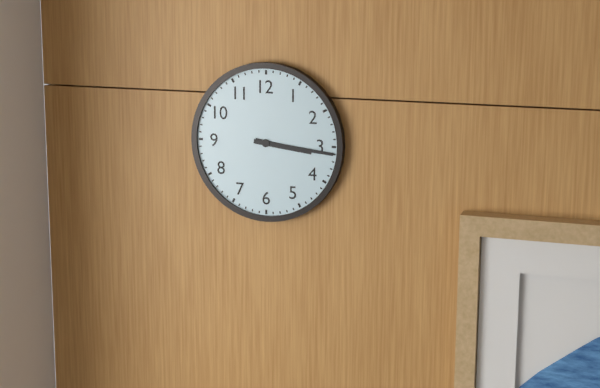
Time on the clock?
3:16
